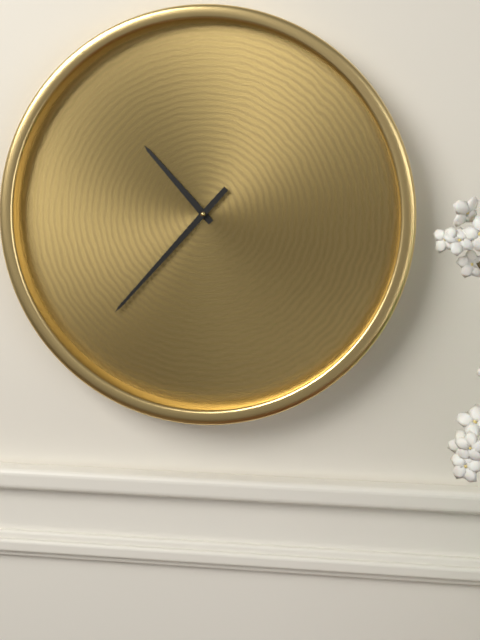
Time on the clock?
10:37
